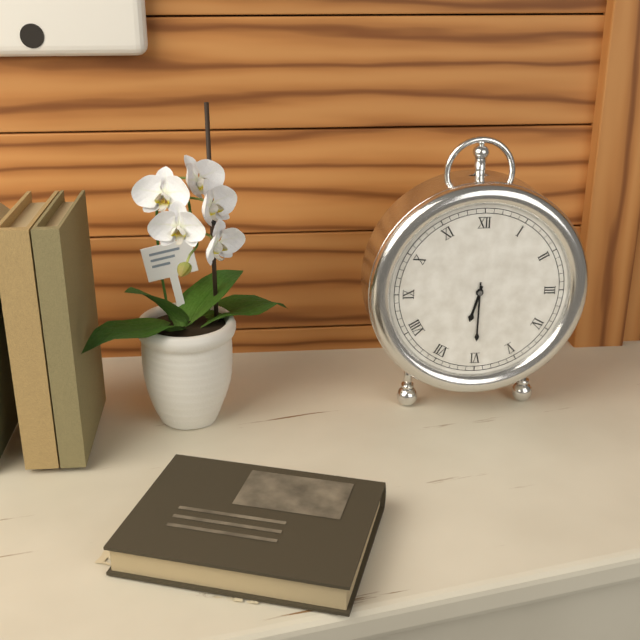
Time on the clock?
6:30
